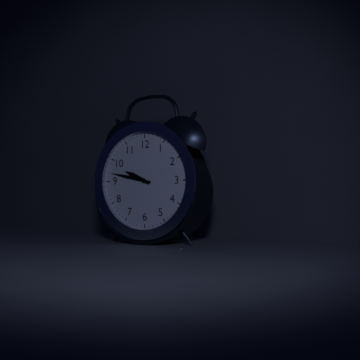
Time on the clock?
9:47
